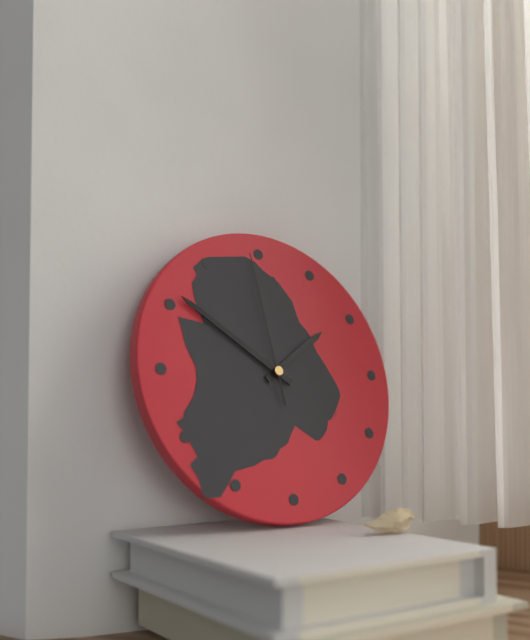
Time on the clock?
1:51:59
